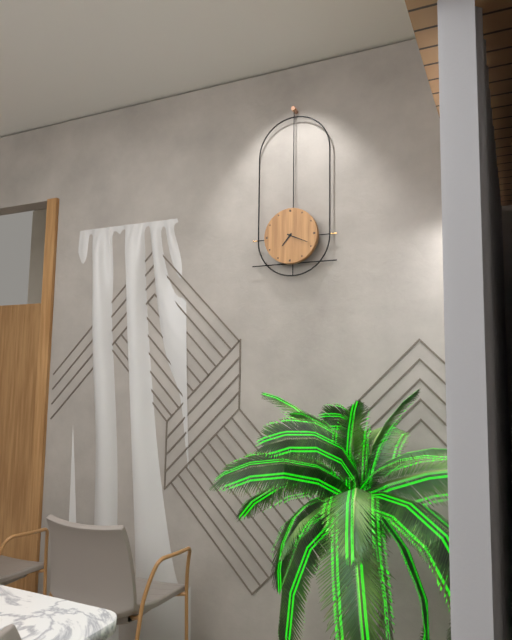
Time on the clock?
7:19
